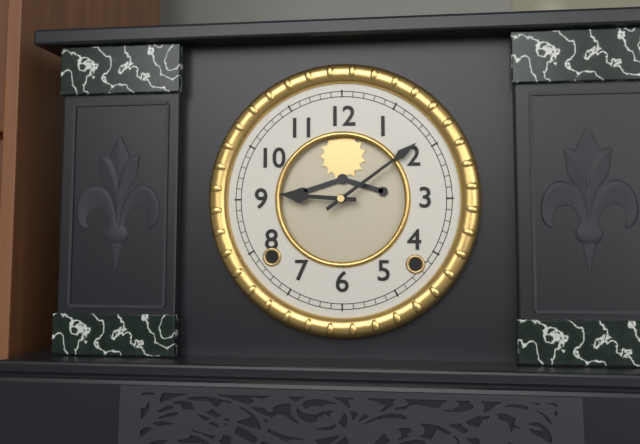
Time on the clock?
9:09
